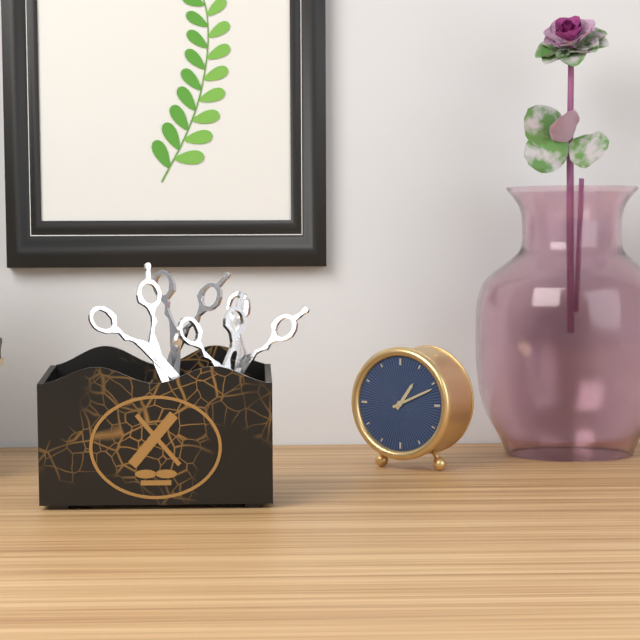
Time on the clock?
1:11
